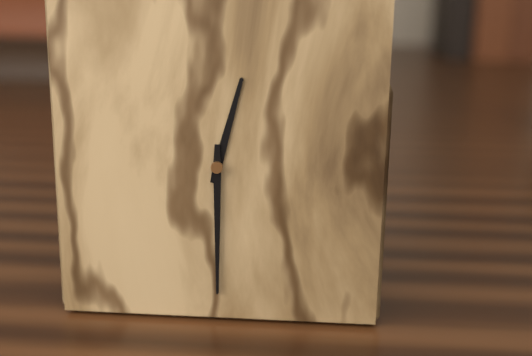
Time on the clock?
12:30
